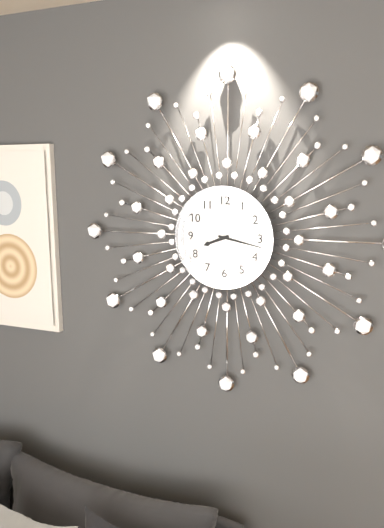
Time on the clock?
8:17
